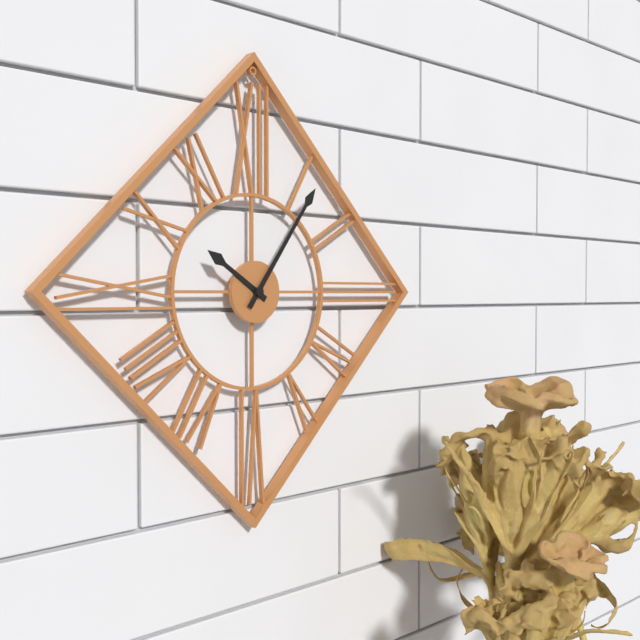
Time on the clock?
10:06
